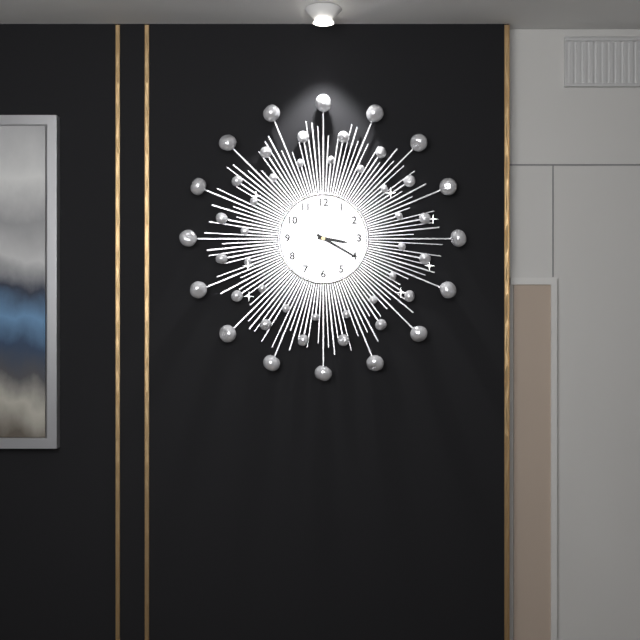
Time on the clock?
3:20
